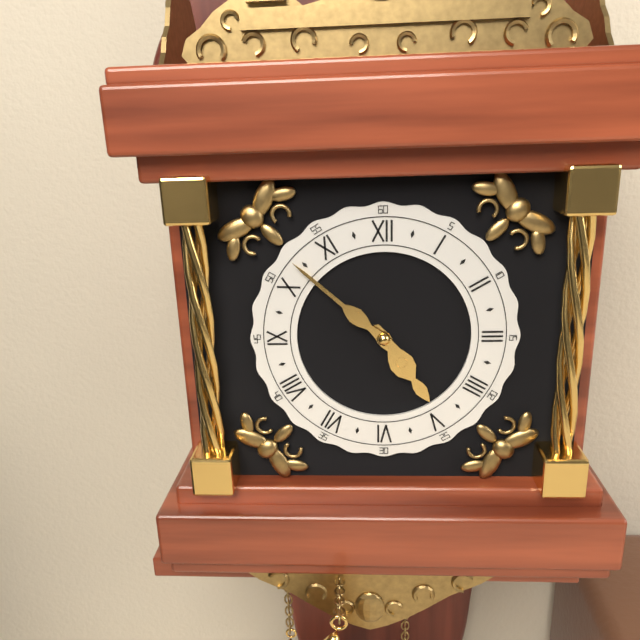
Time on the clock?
4:52
